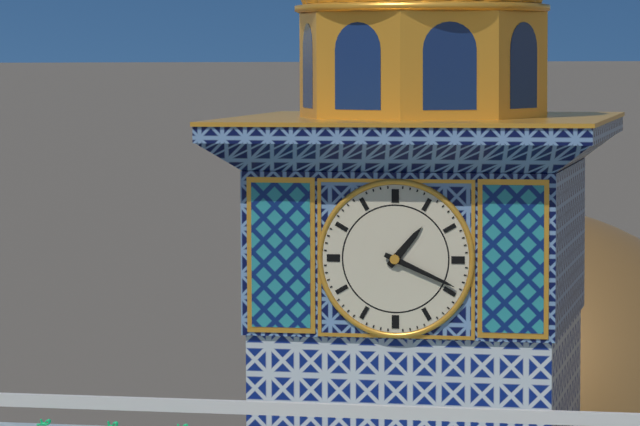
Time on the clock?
1:19
